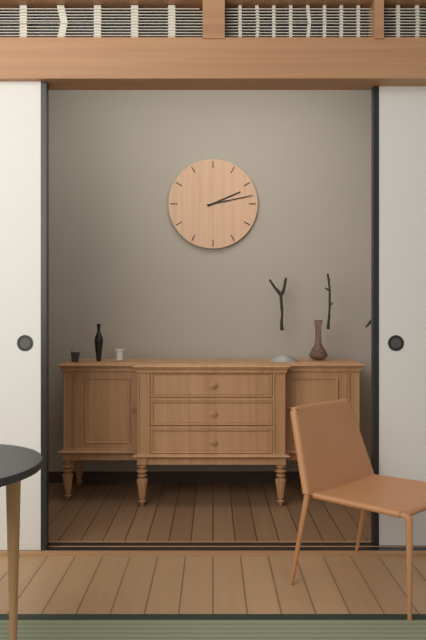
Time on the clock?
2:13
